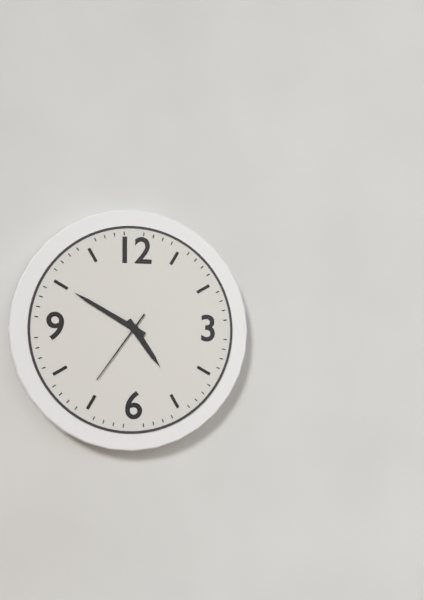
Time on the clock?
4:50:36
